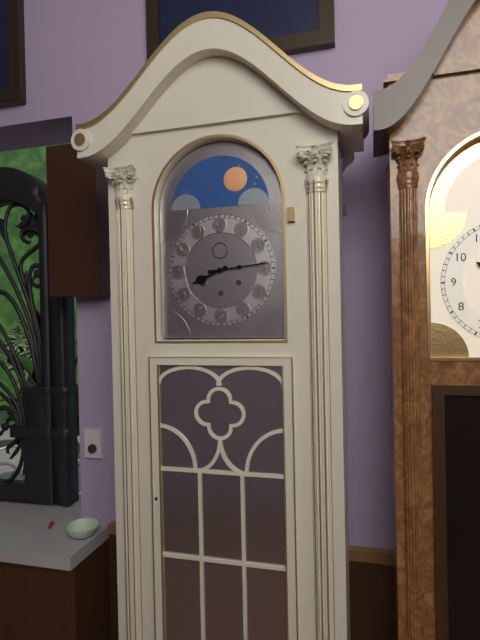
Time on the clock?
8:14
